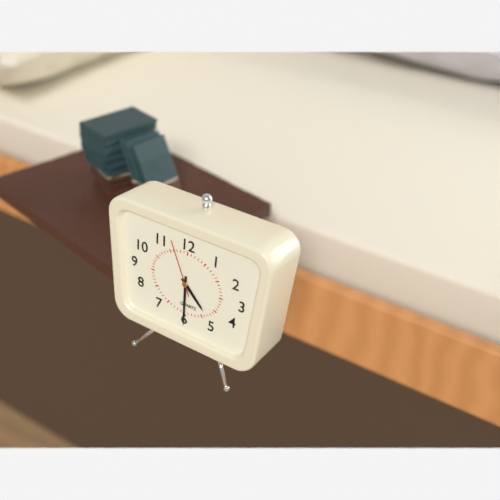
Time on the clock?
4:30:56
